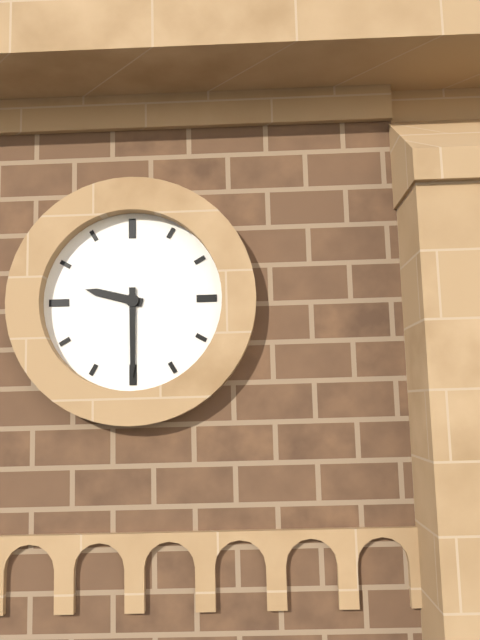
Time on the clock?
9:30
